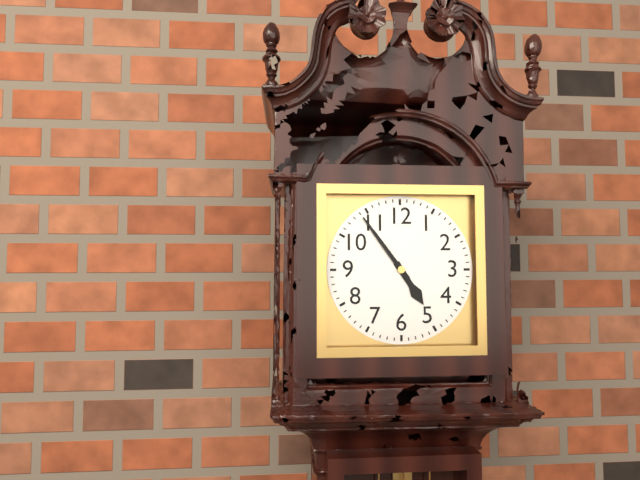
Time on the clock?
4:54
